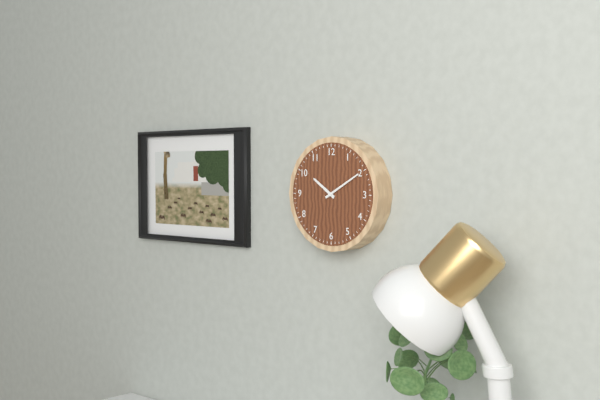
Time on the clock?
10:10
